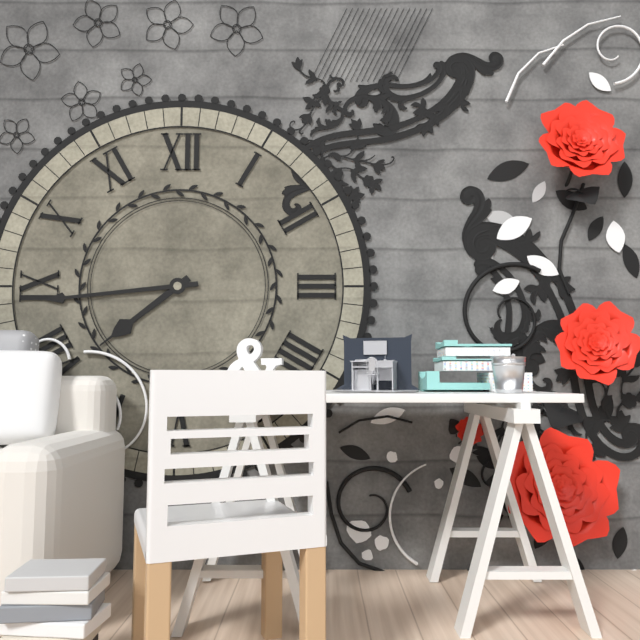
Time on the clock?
7:44
